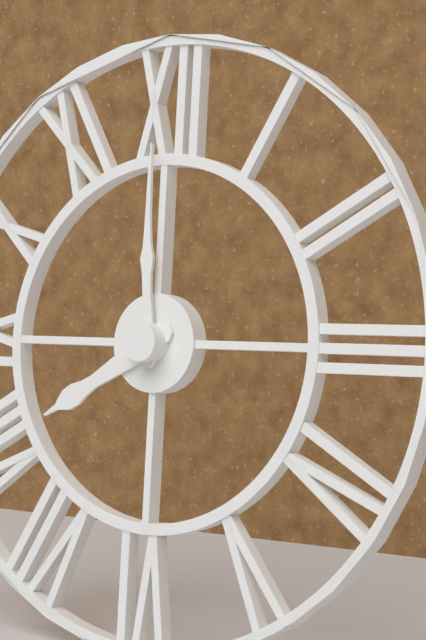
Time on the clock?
7:59
